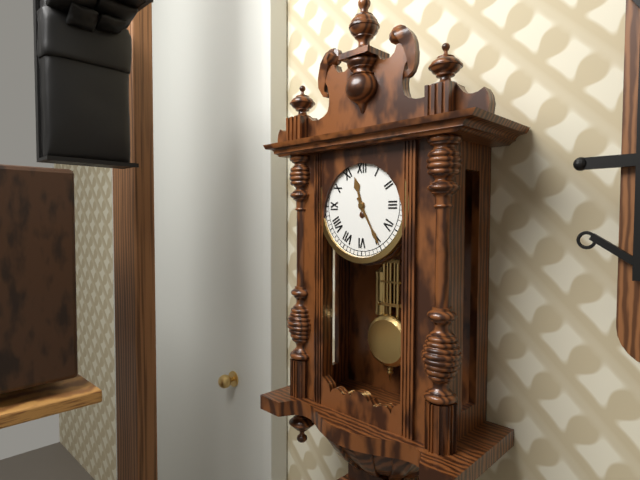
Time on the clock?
11:25
